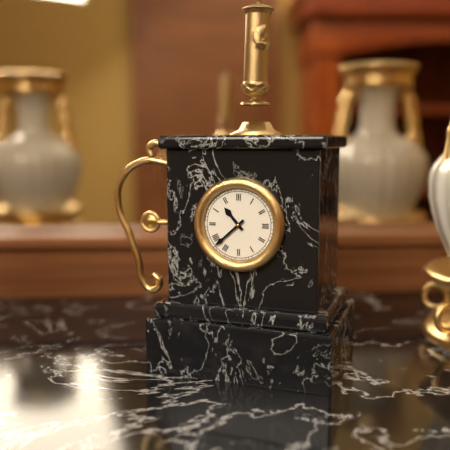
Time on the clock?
10:38
